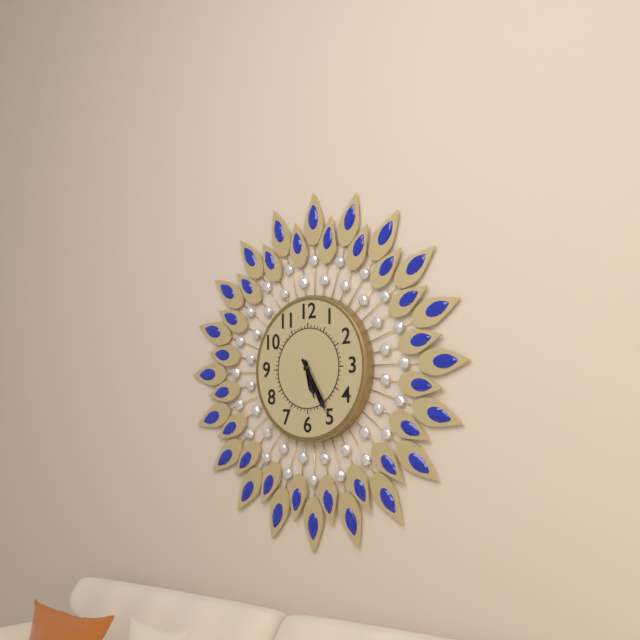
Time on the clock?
5:25
